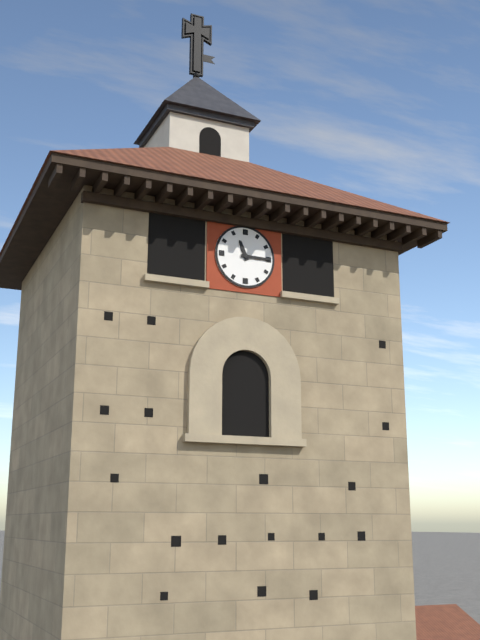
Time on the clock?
11:15
